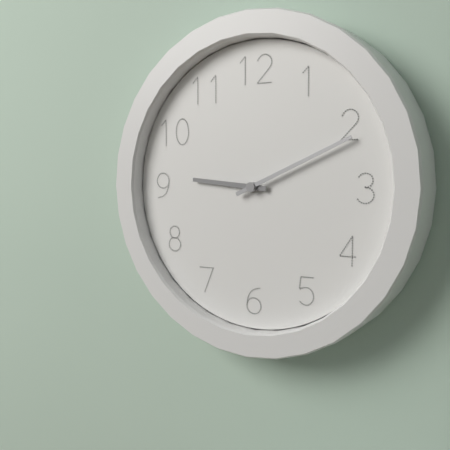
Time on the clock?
9:11
